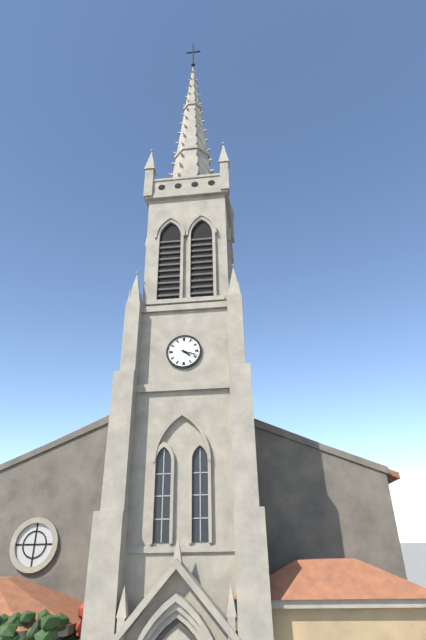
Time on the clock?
4:18
